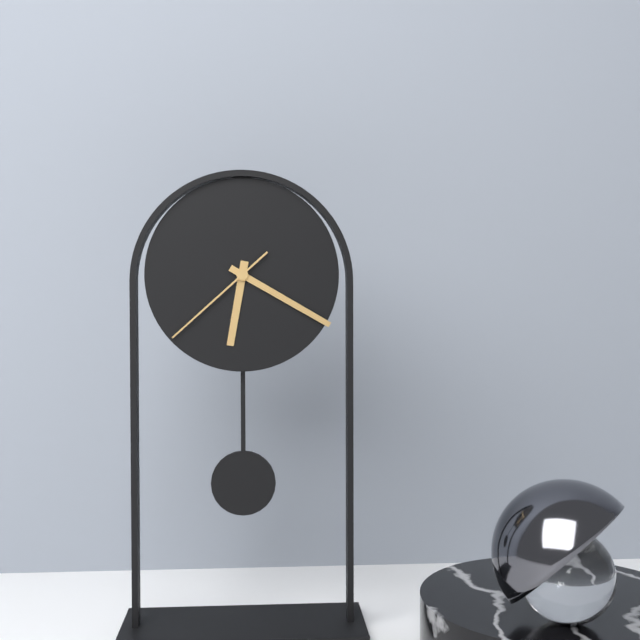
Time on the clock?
6:20:38
